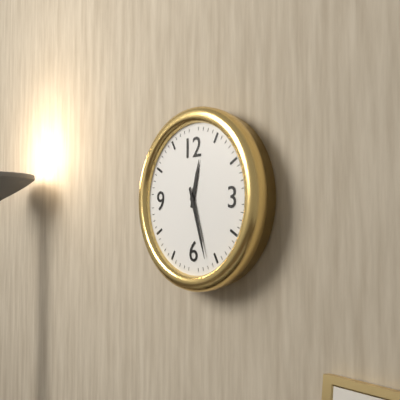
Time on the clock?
12:27
